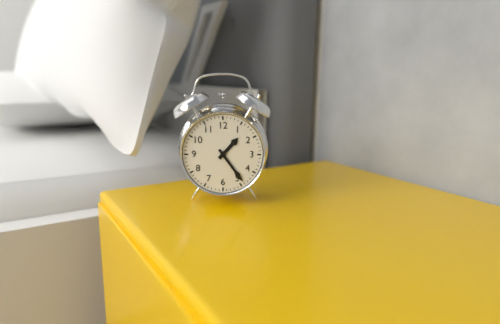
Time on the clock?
1:24
